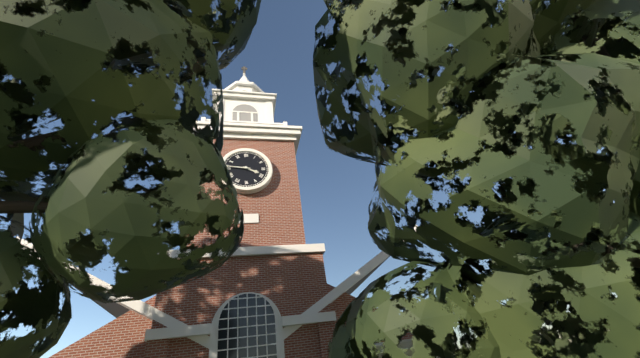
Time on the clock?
3:46
